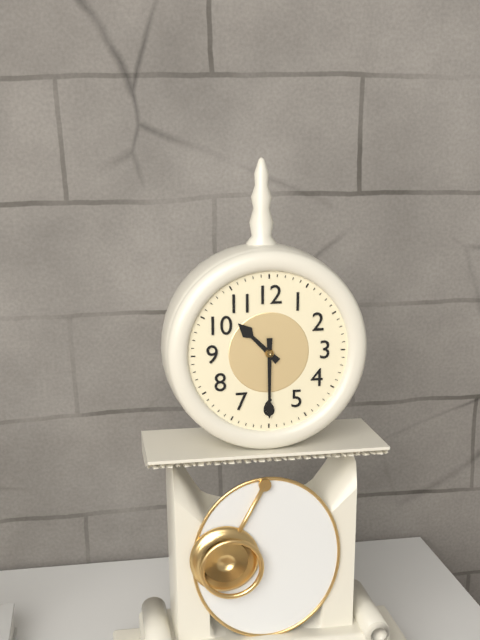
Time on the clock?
10:30
